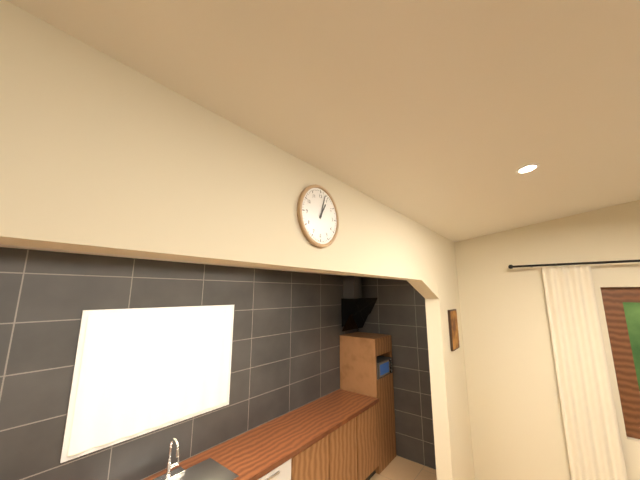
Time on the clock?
1:03
